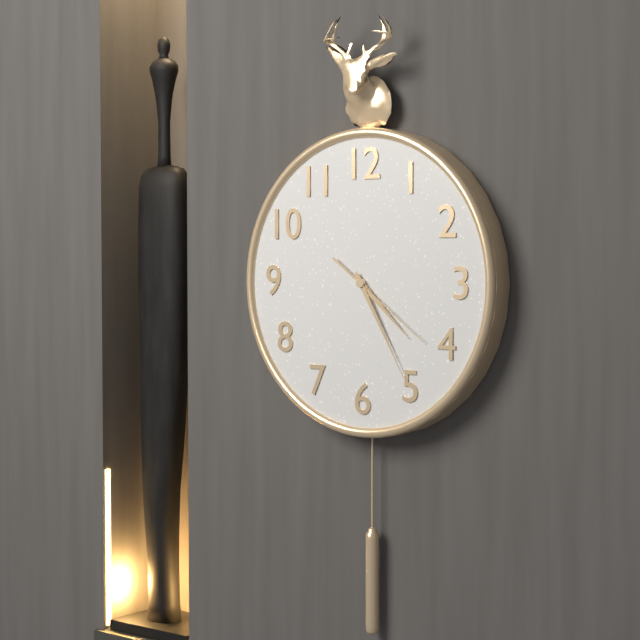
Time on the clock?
4:25:21
